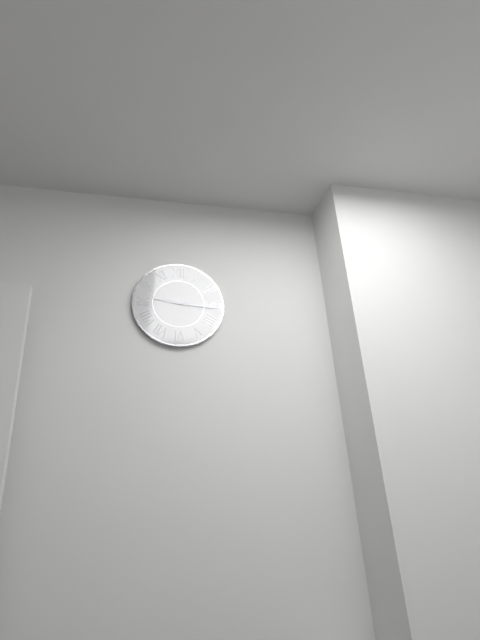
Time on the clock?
9:16
